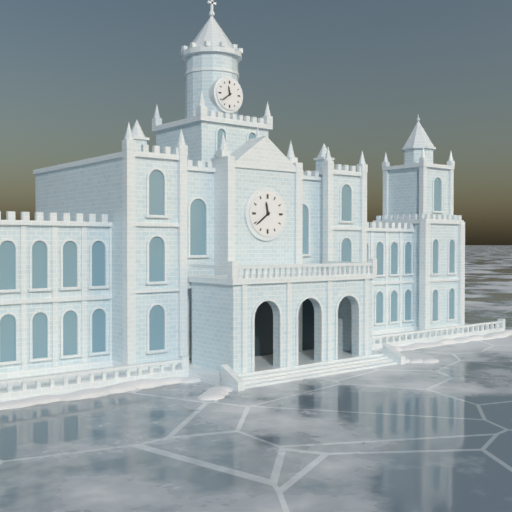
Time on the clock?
11:39
